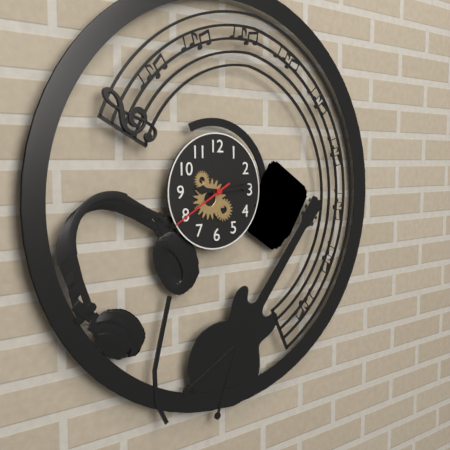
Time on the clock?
9:14:40
